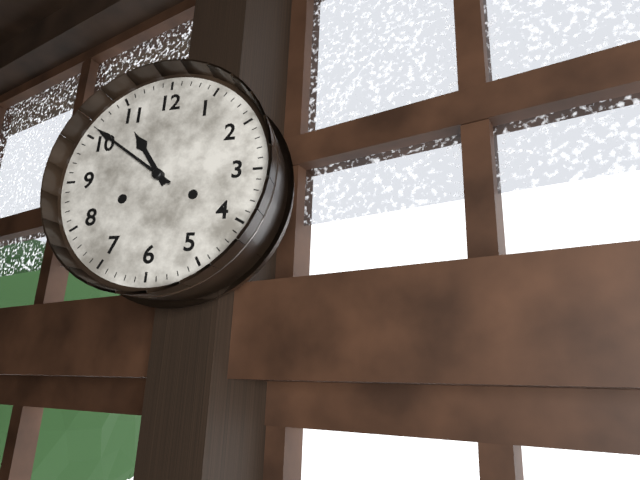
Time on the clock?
10:51
